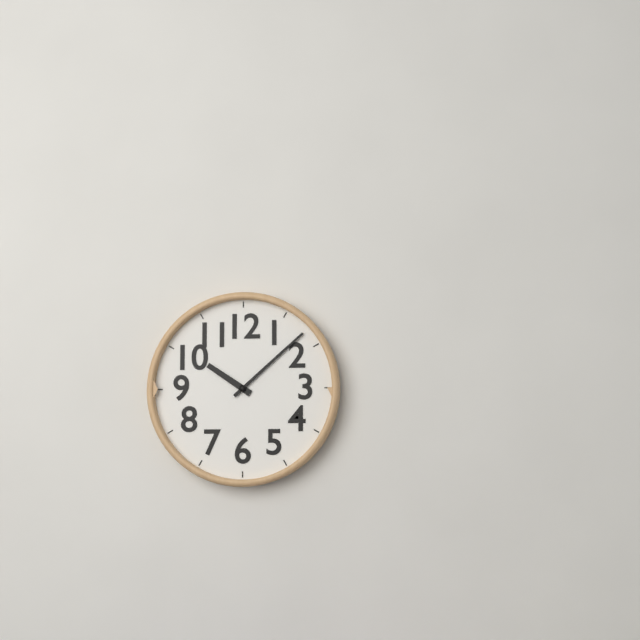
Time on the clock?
10:08
